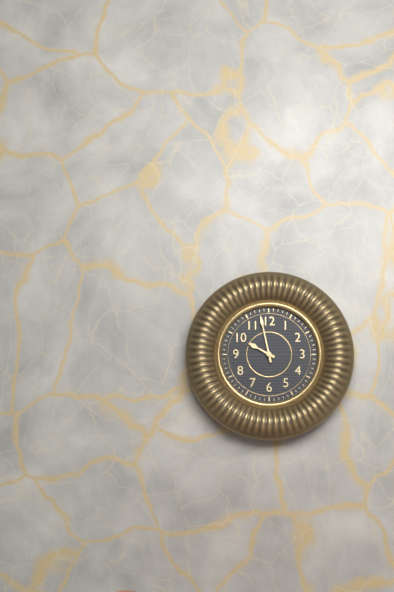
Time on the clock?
9:58
